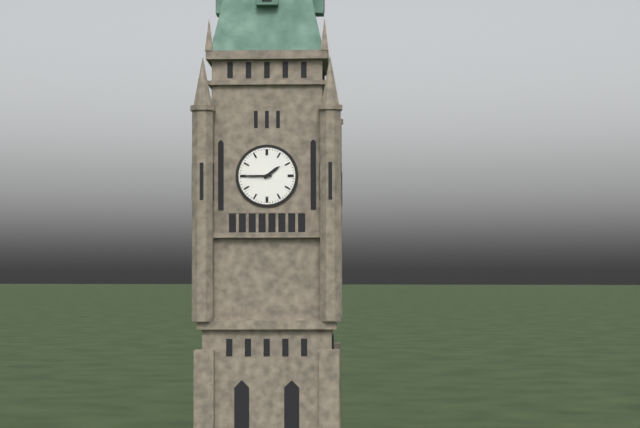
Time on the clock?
1:45
